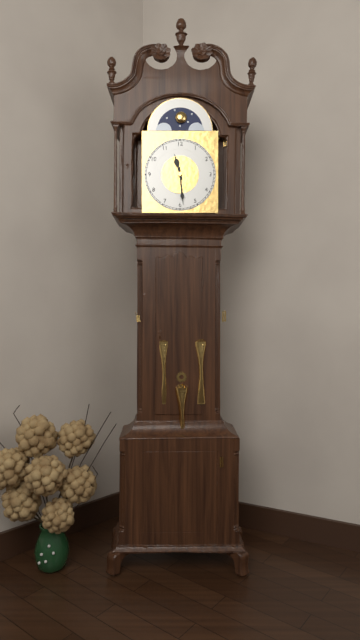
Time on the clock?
11:29
